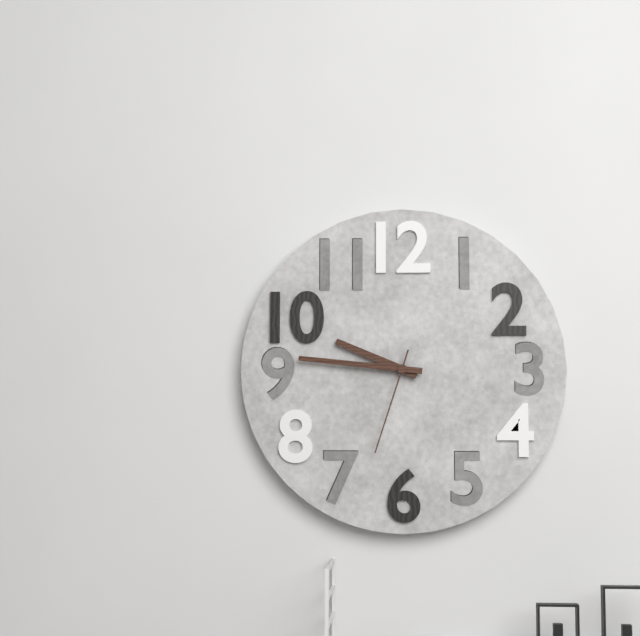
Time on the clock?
9:46:33
